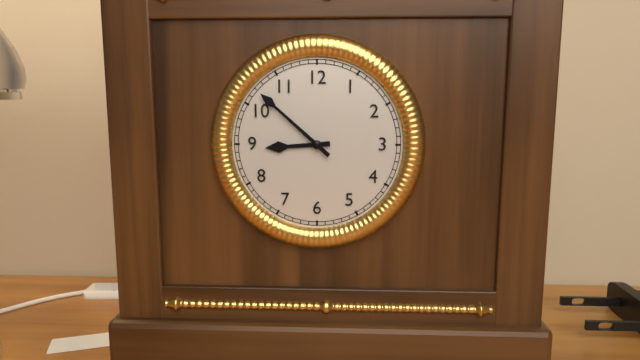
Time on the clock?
8:52
